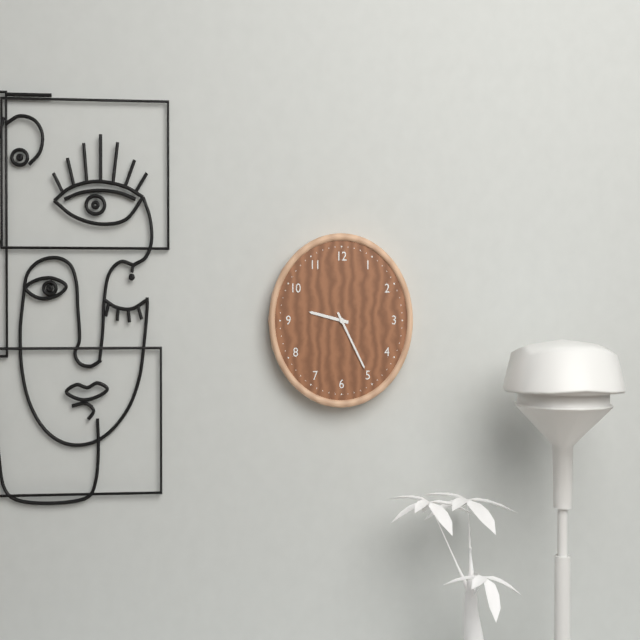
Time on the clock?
9:25
